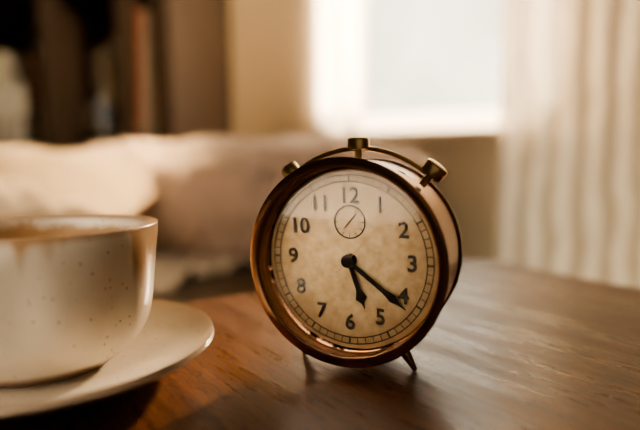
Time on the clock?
5:21:07
